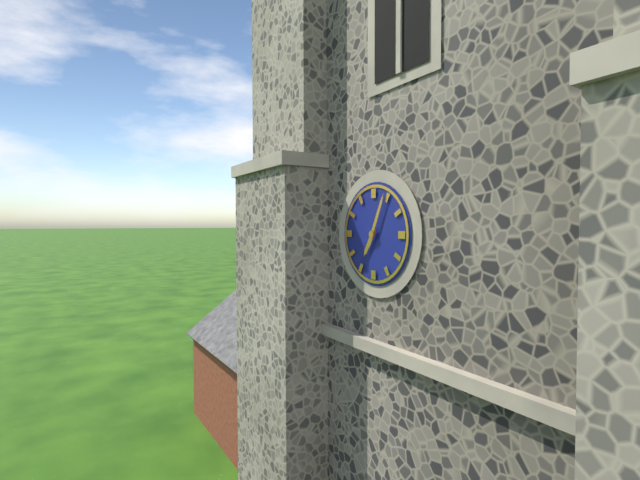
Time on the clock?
7:04
